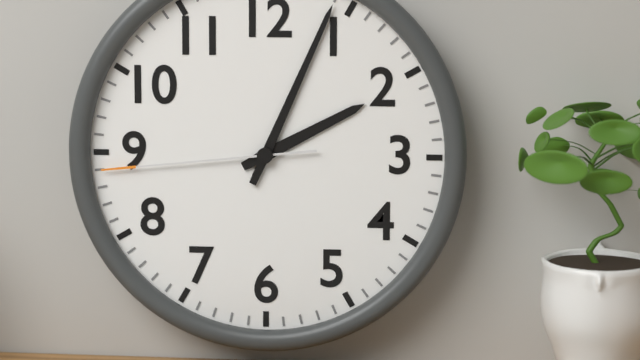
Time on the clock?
2:04:44
